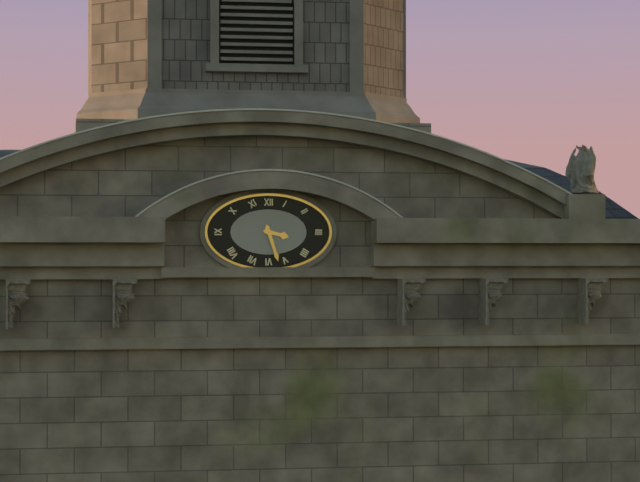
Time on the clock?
3:27
